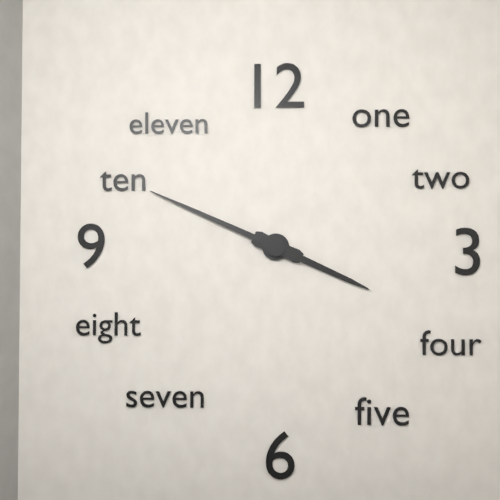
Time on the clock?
3:49
